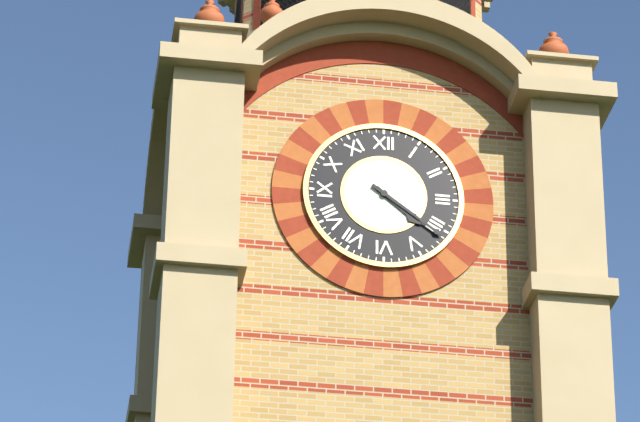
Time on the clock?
4:21
